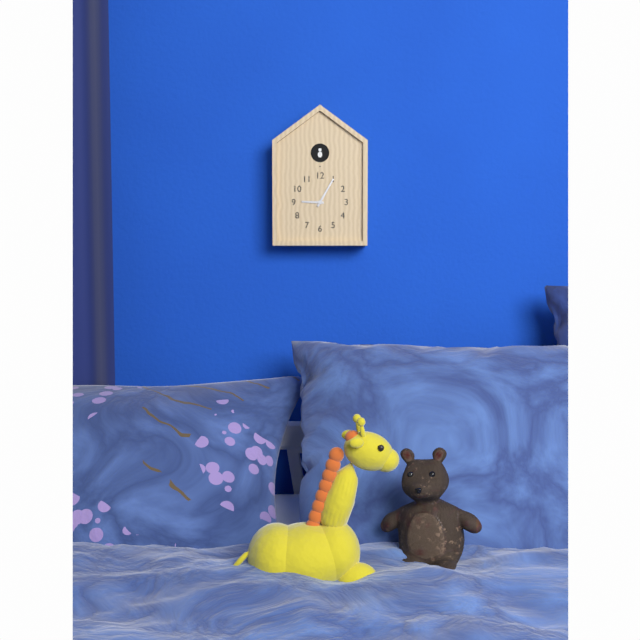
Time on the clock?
9:05
